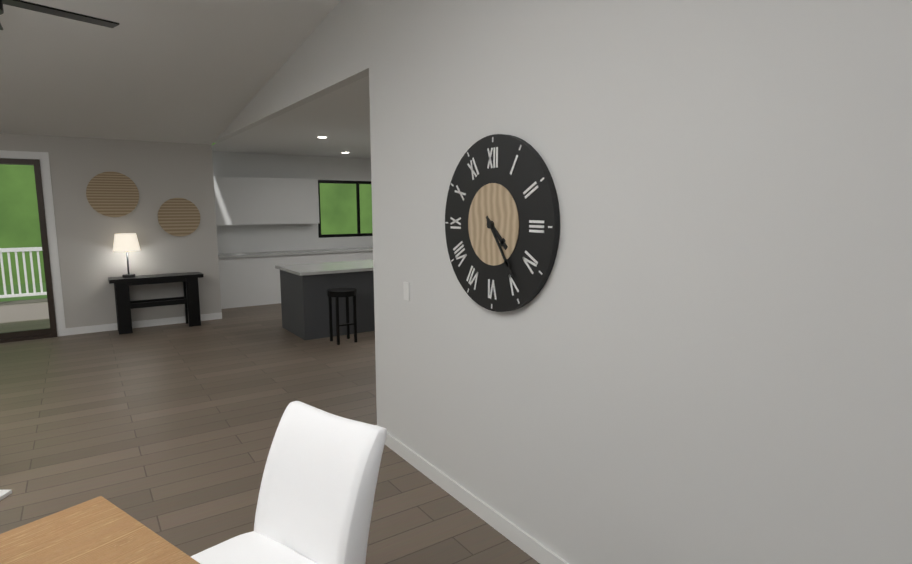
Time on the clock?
4:24
